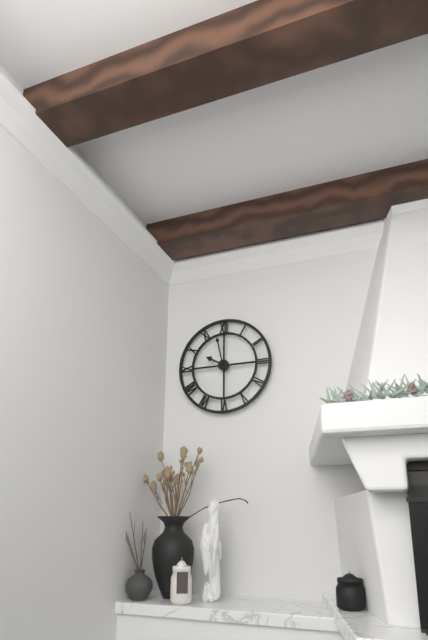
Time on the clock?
9:58
